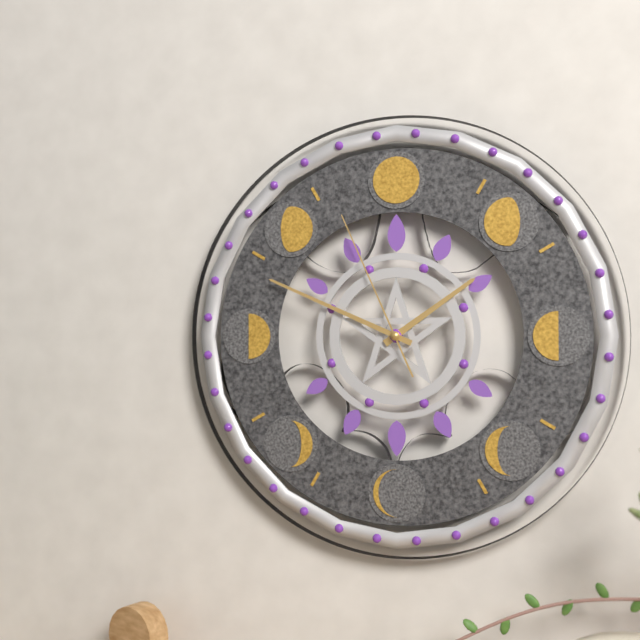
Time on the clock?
1:49:56
